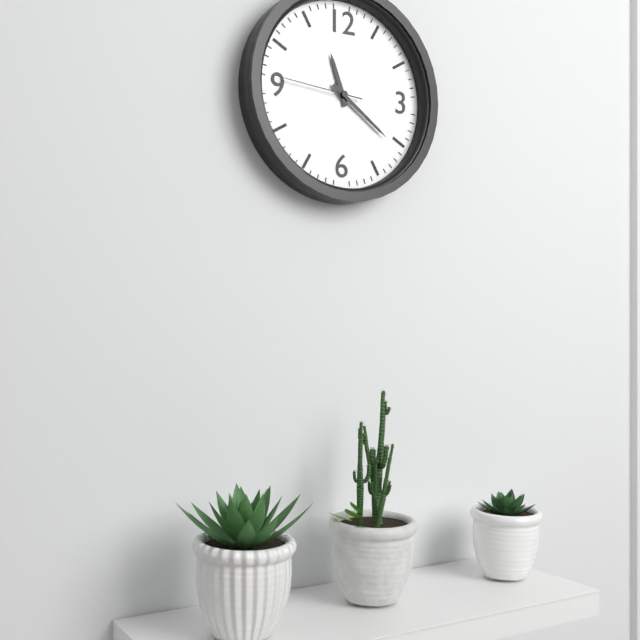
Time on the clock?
11:21:46
